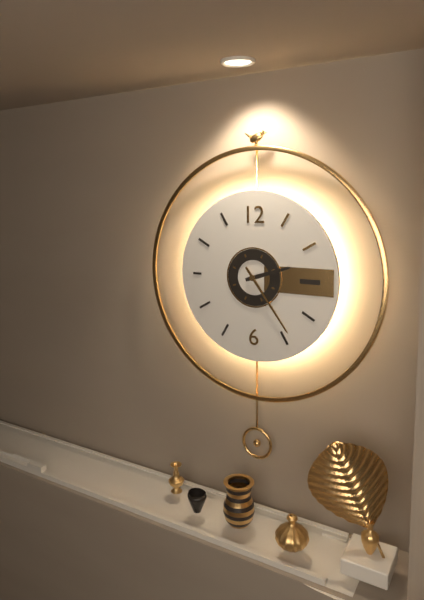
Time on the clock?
2:24
